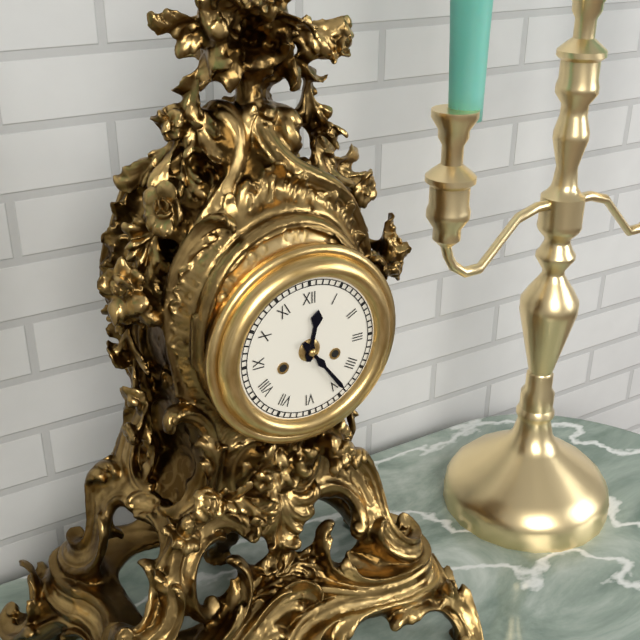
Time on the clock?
12:24
